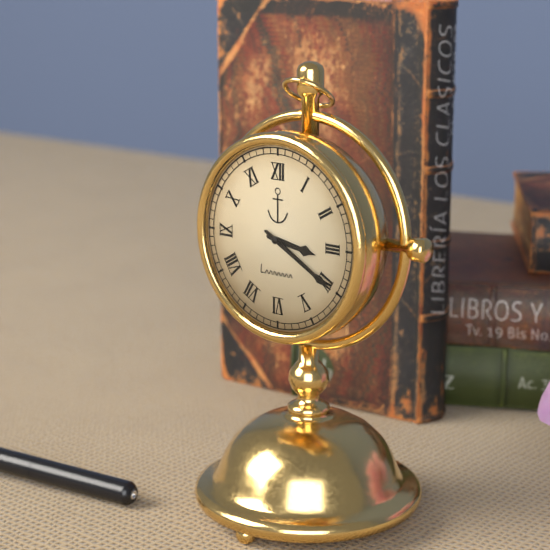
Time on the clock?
3:20
